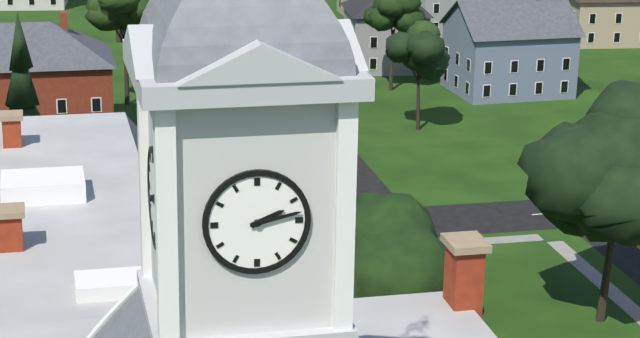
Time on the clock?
2:13
